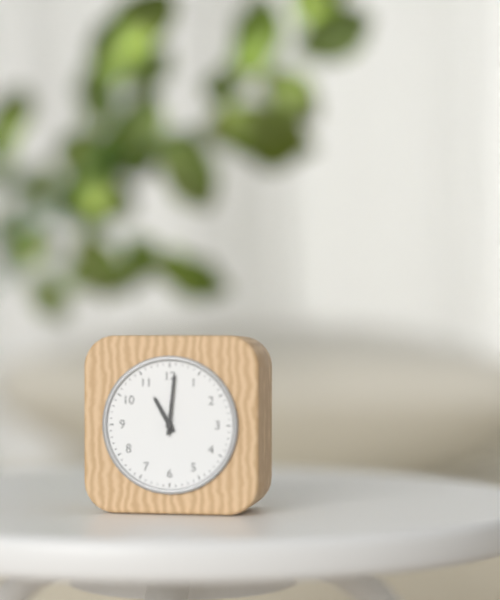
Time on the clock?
11:01
